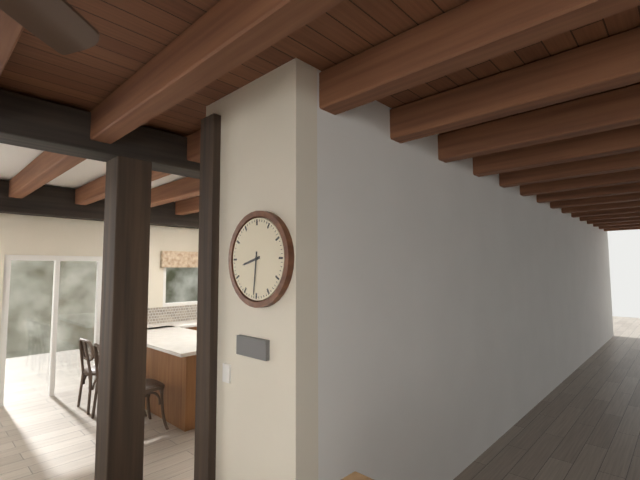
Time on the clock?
8:31
